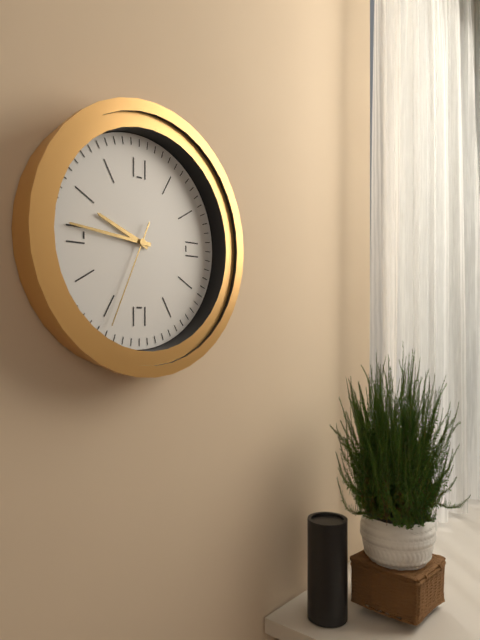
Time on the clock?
9:46:34
